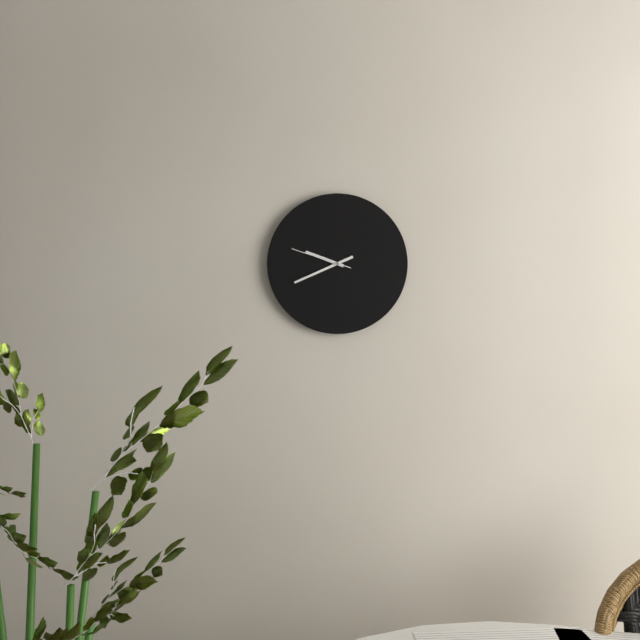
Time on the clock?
9:41:48
